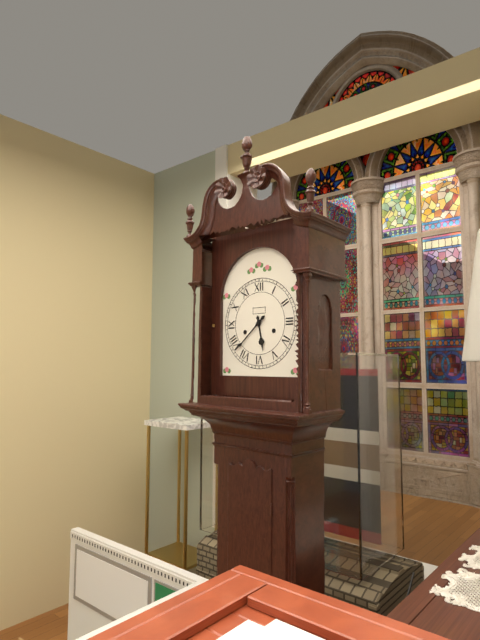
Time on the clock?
5:38
